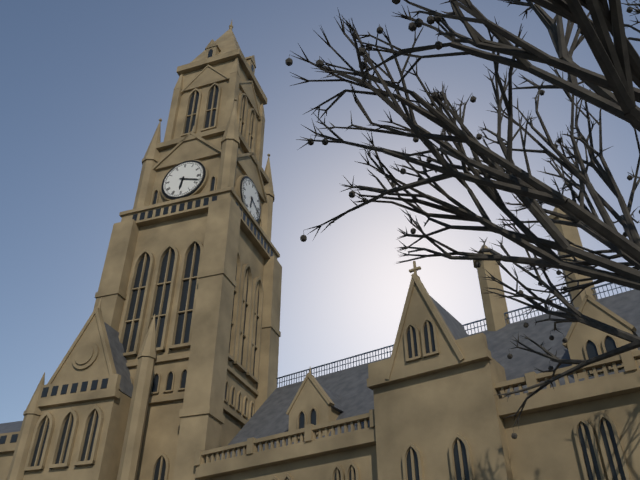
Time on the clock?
6:18
